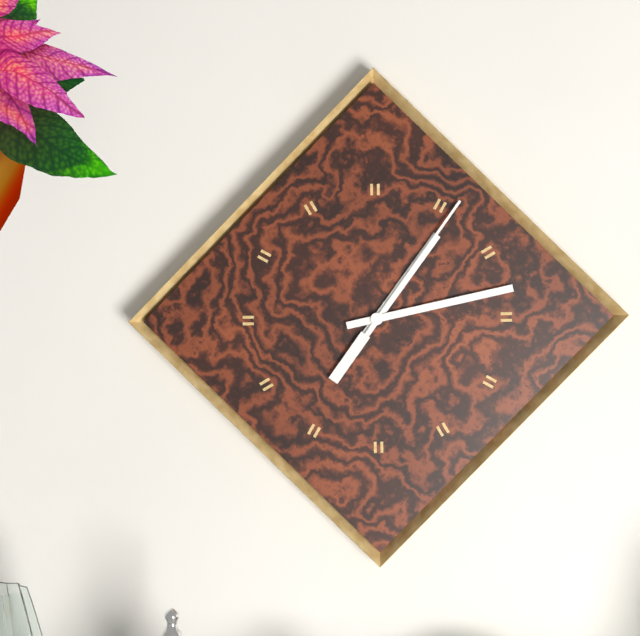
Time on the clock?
1:13:06
